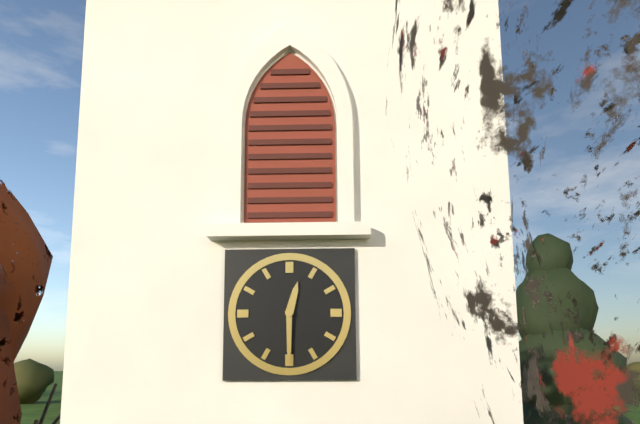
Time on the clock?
12:30
